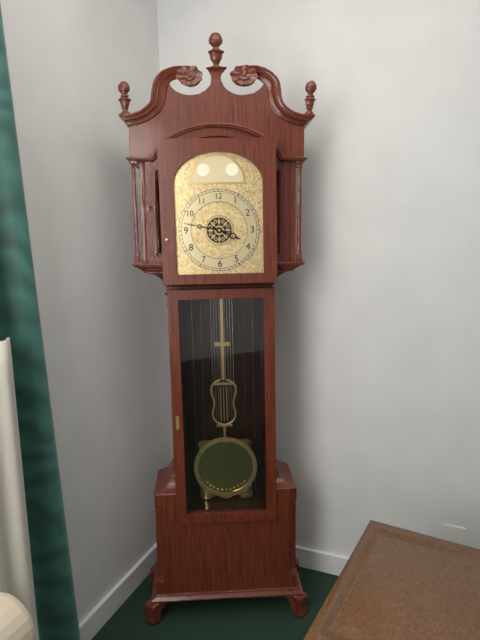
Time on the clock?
3:47
